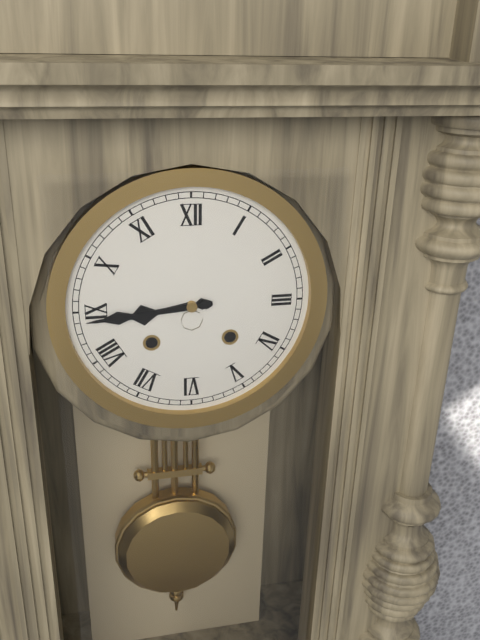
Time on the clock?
8:44
